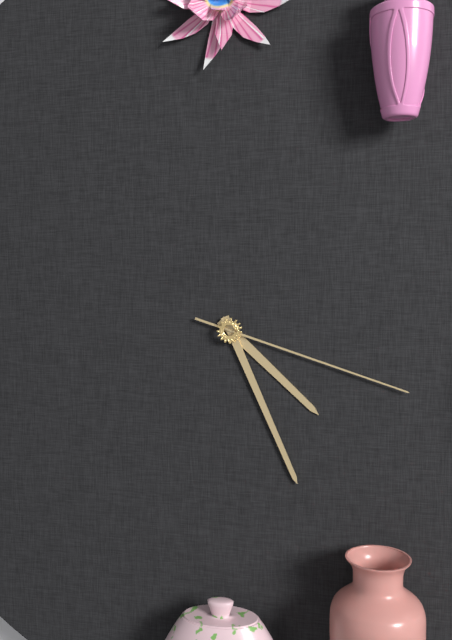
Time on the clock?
4:26:18
